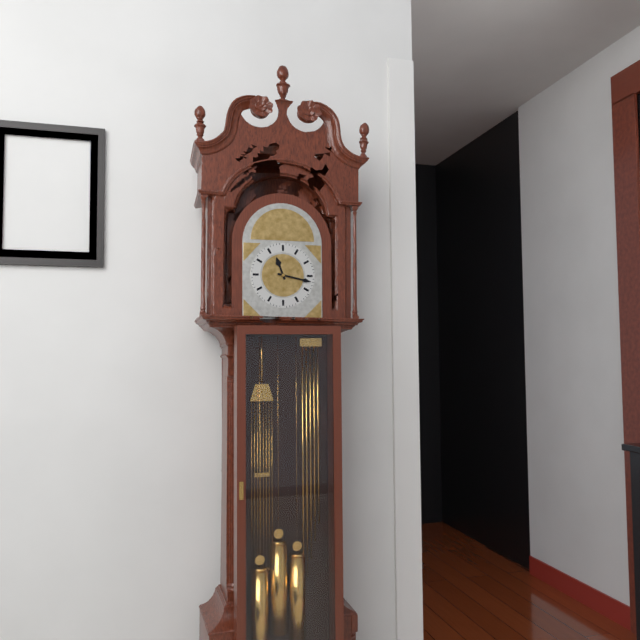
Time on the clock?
11:17
